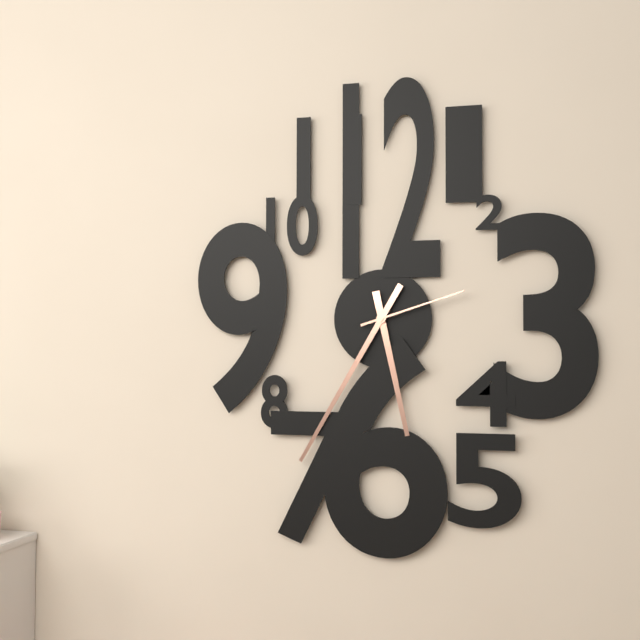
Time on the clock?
5:35:12
